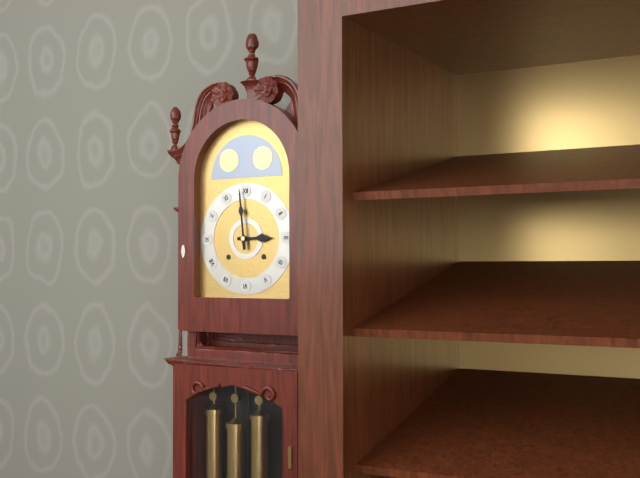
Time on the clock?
2:59
